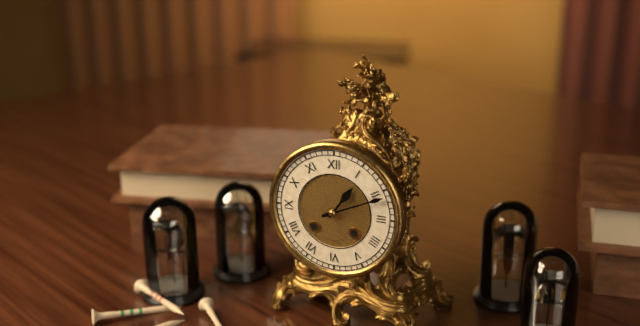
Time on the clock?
1:11
